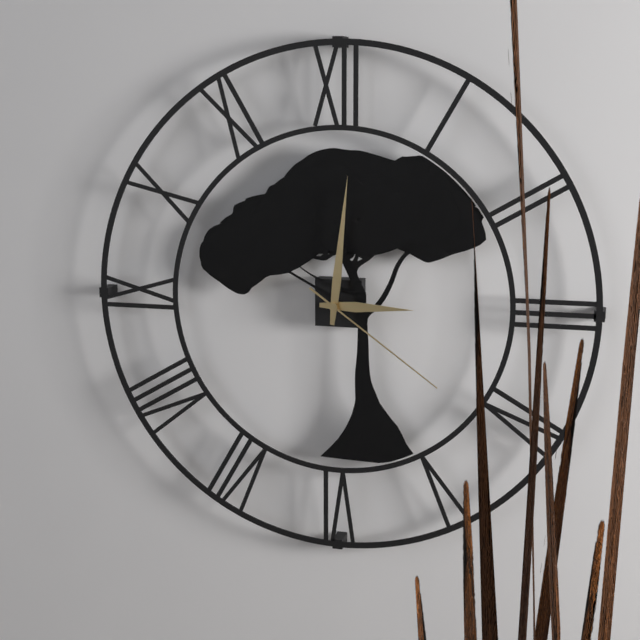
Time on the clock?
3:01:21
